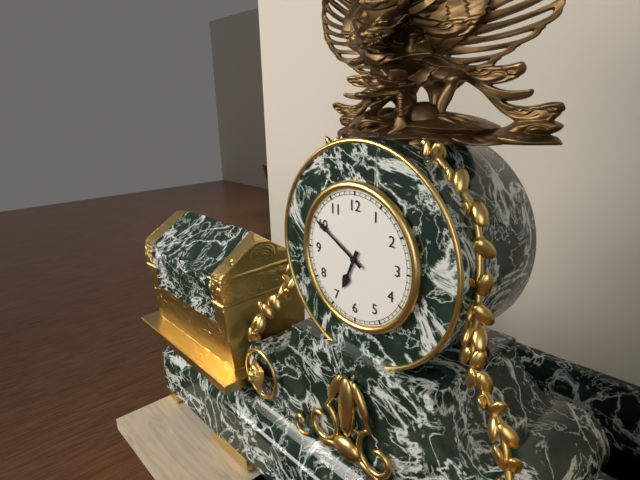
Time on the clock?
6:50
